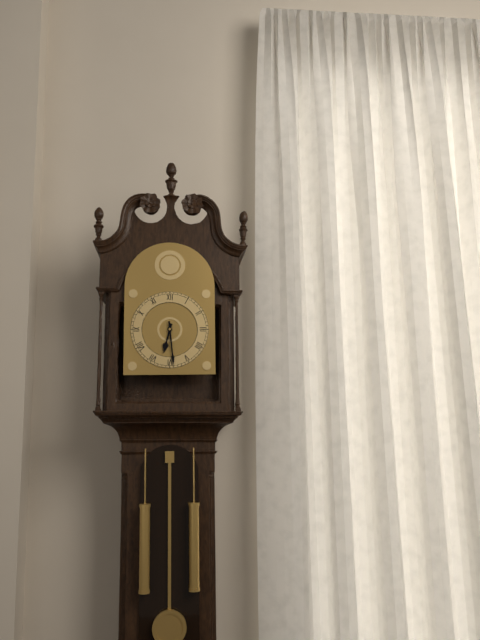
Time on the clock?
6:29
